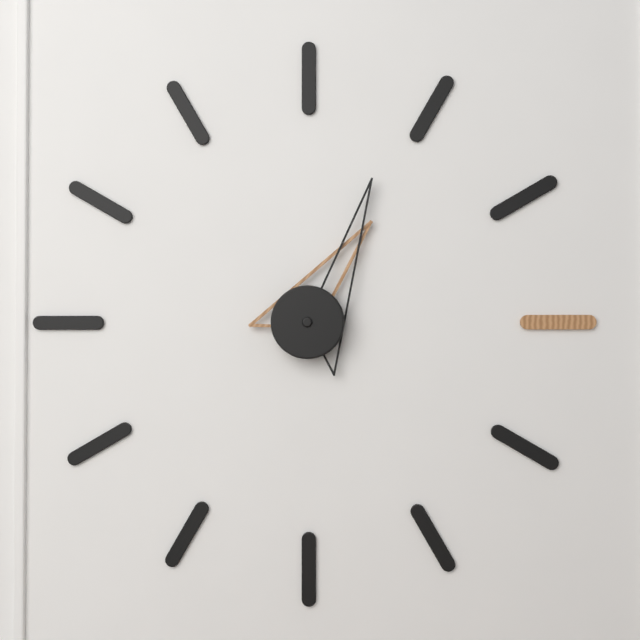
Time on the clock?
1:04
